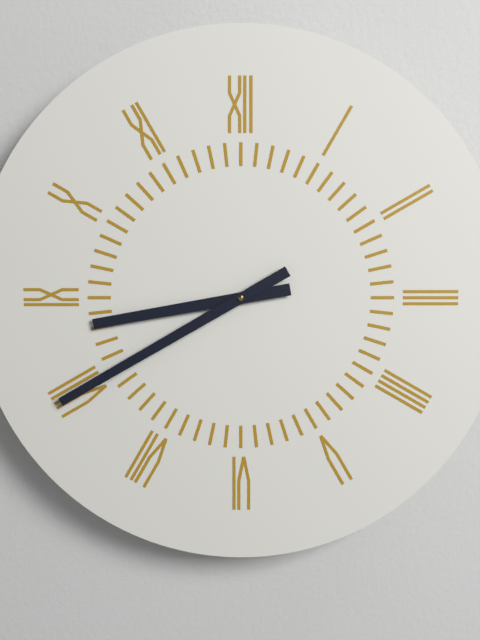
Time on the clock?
8:40
